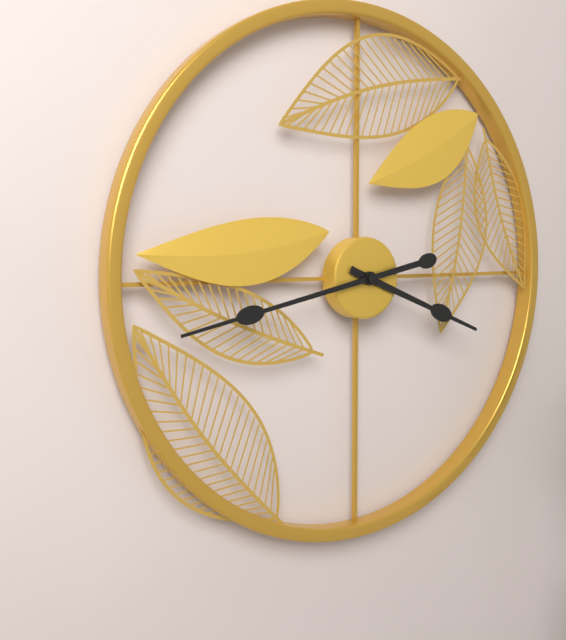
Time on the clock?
3:43
